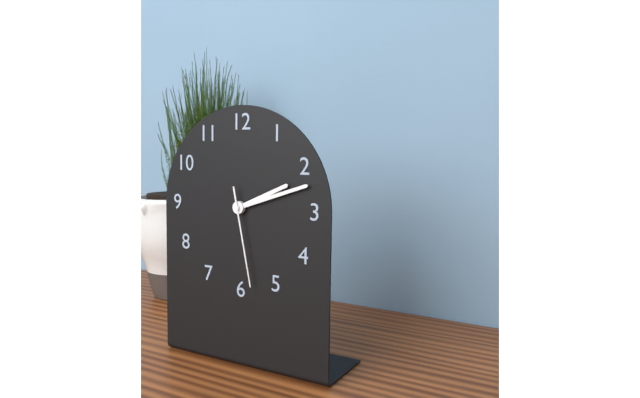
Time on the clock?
2:12:28
